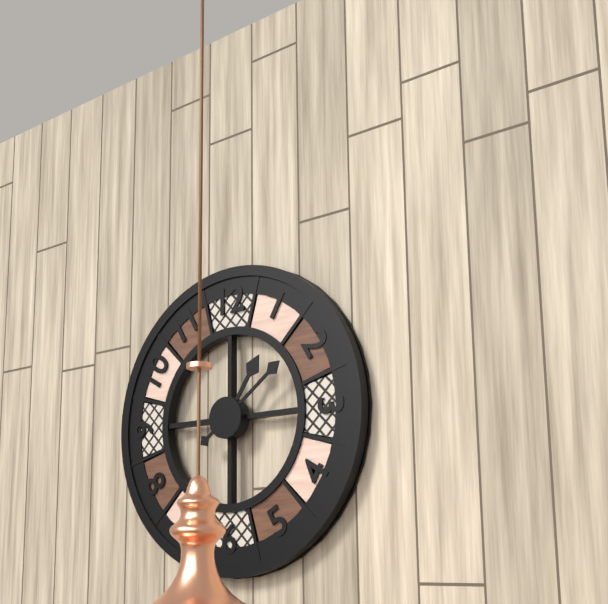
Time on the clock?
1:09
